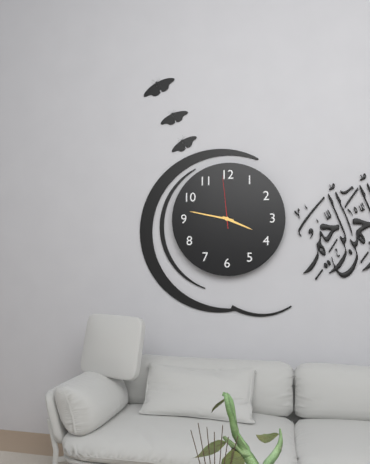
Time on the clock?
3:47:59
